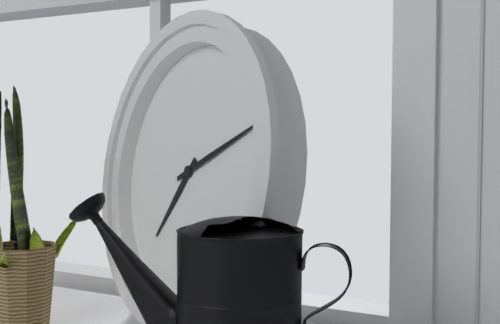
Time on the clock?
7:11
